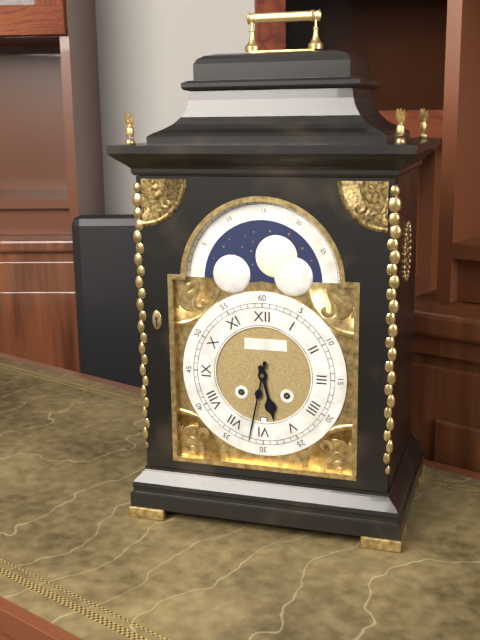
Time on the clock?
5:32
